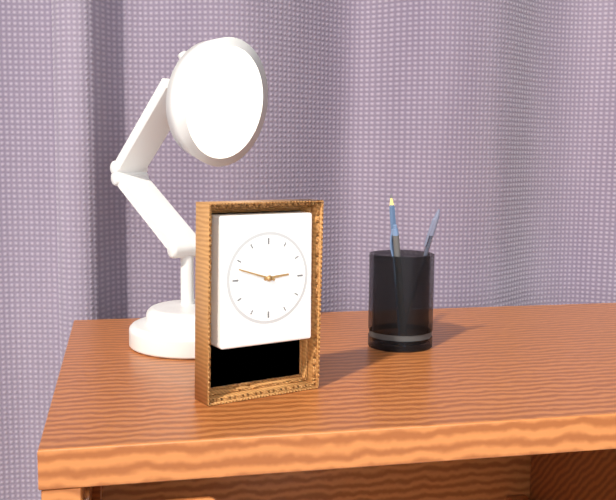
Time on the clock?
2:48
